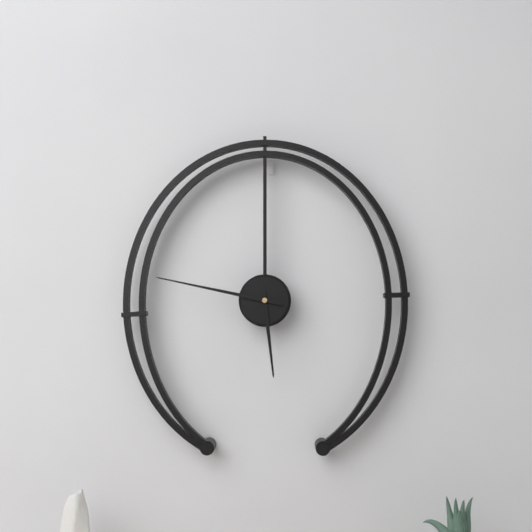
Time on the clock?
5:47
